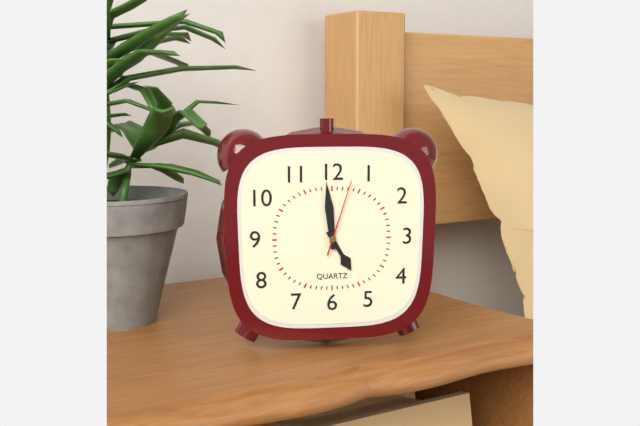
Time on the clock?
4:59:03
